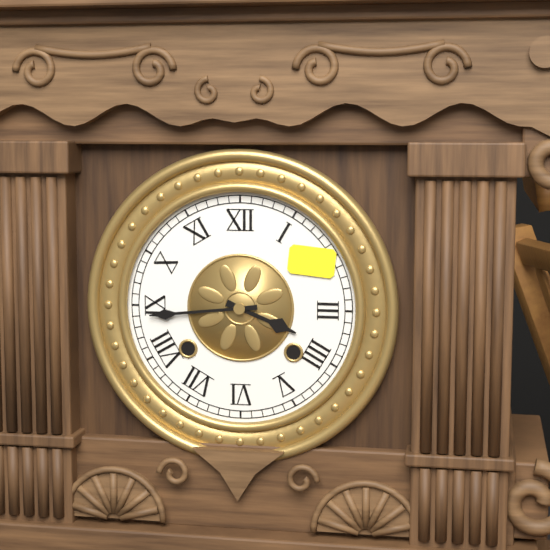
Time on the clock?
3:44
